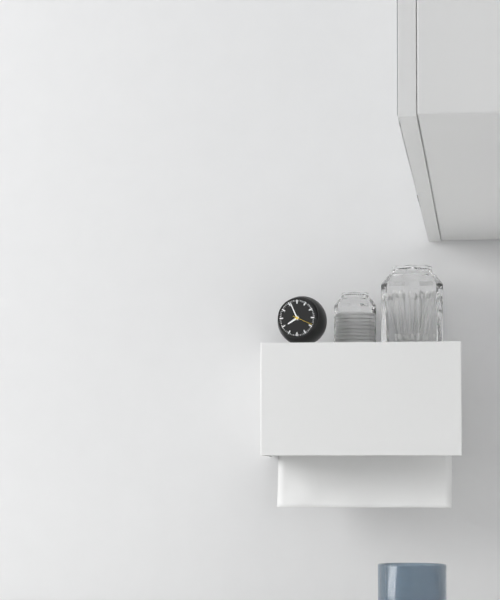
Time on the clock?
7:56
